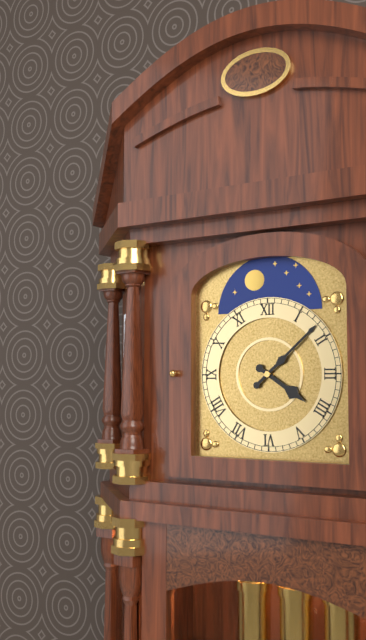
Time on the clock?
4:08
